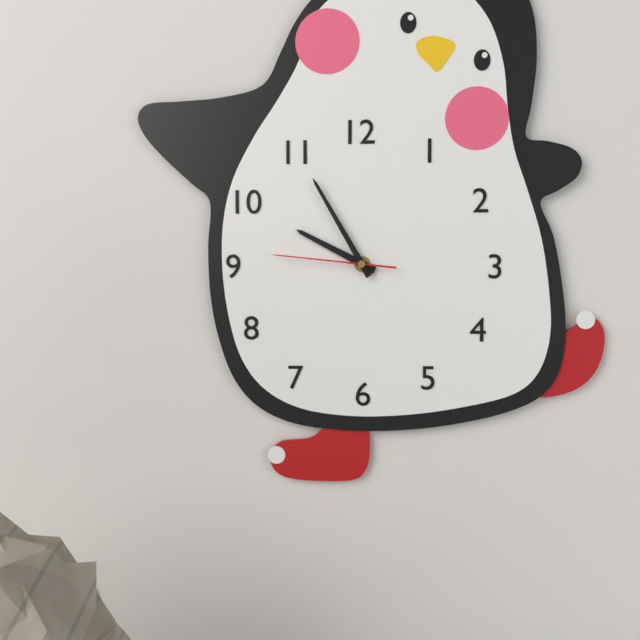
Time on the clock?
9:55:46
